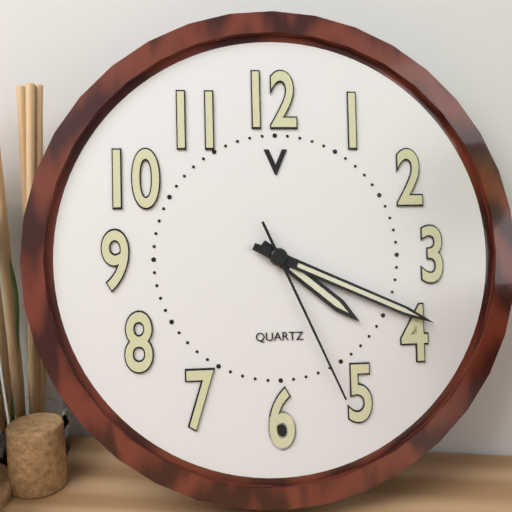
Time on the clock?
4:19:26
